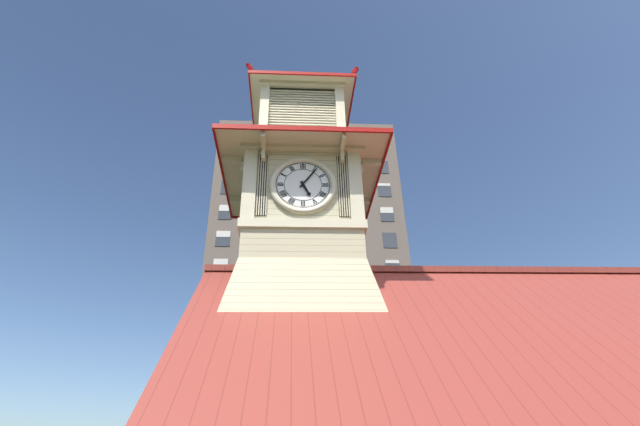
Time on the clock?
5:06
